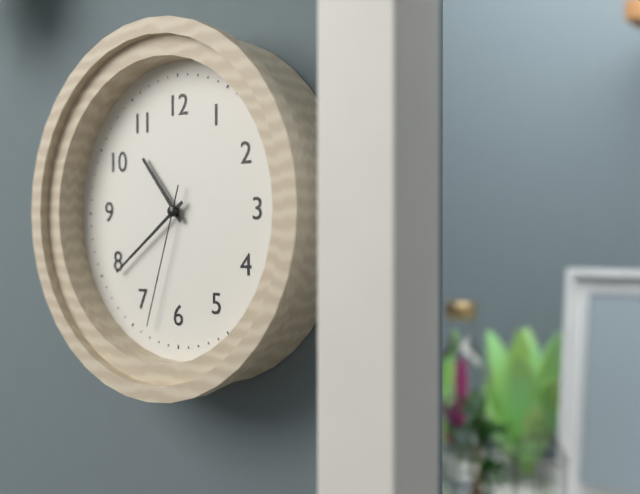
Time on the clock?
10:39:33
